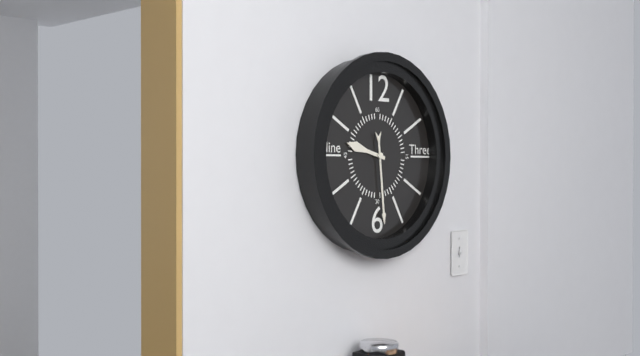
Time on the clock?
9:29
